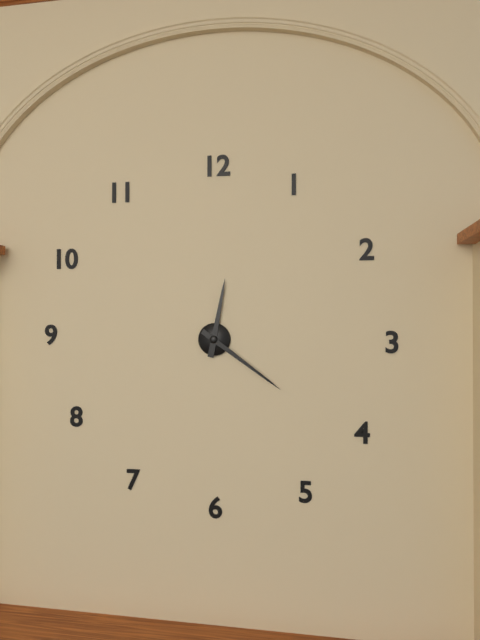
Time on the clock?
12:21
